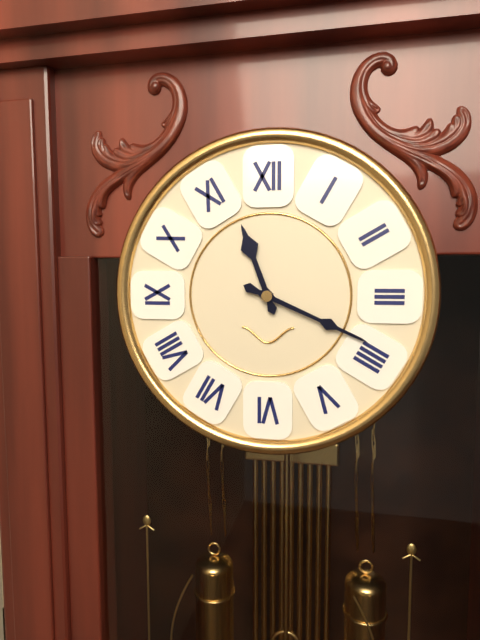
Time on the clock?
11:19
